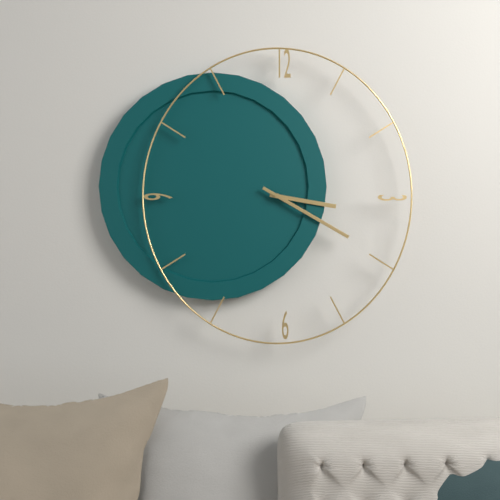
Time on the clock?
3:20
